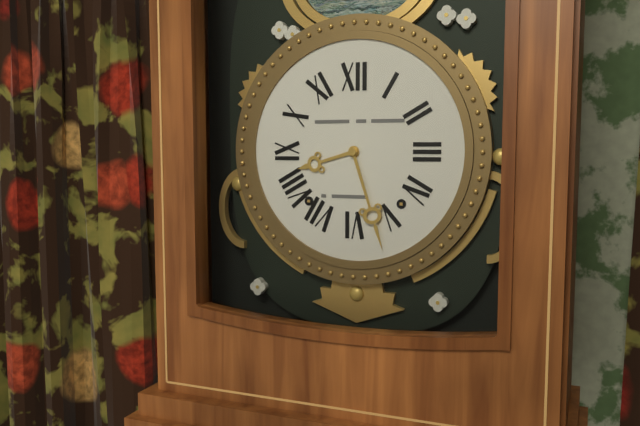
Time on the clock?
8:27
